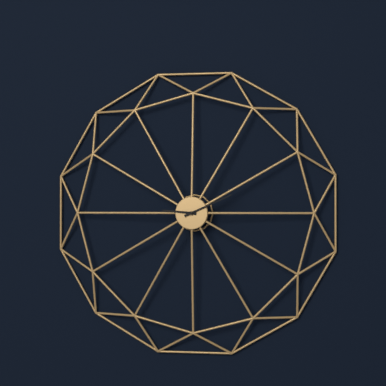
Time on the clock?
9:11
